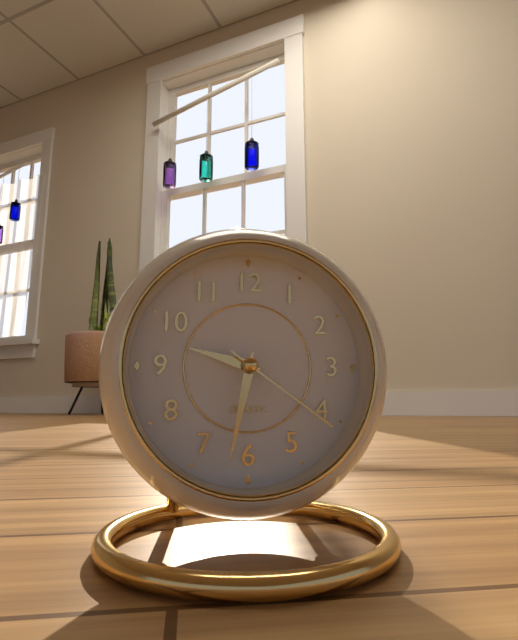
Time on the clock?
9:32:21
